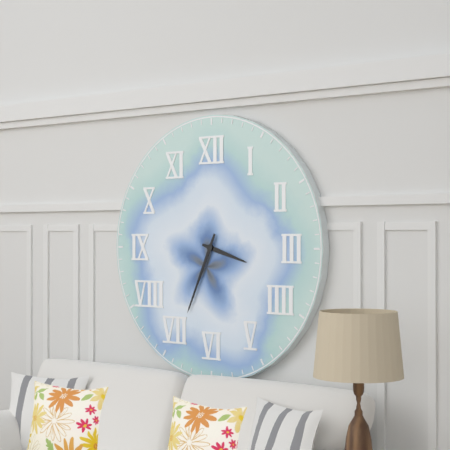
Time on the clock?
3:34
